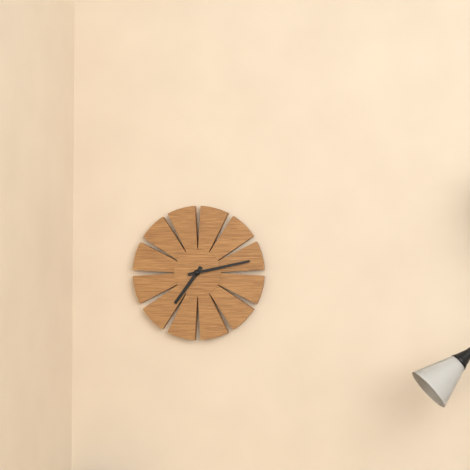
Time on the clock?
7:13
